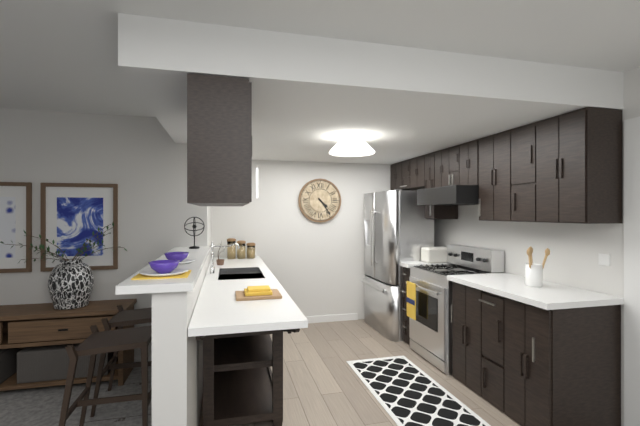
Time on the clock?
4:24
